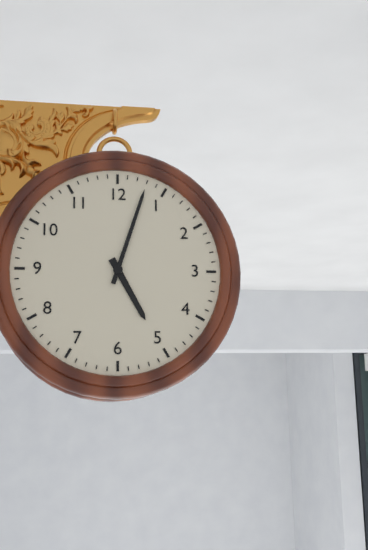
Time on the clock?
5:03
